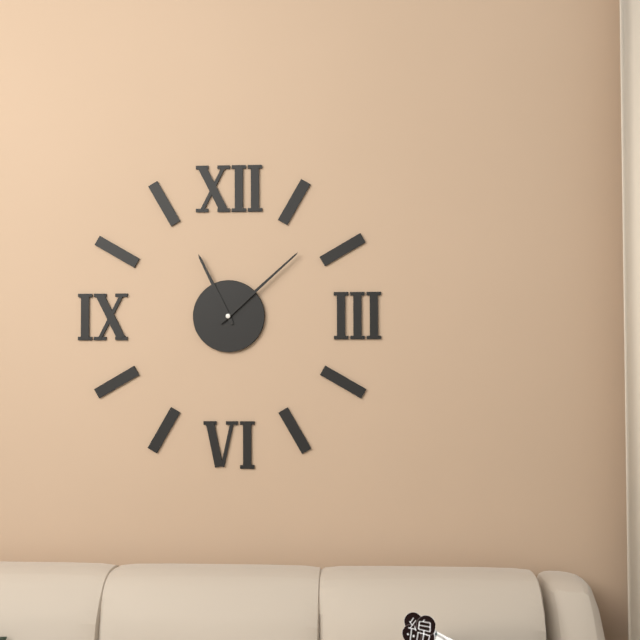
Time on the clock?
11:08
